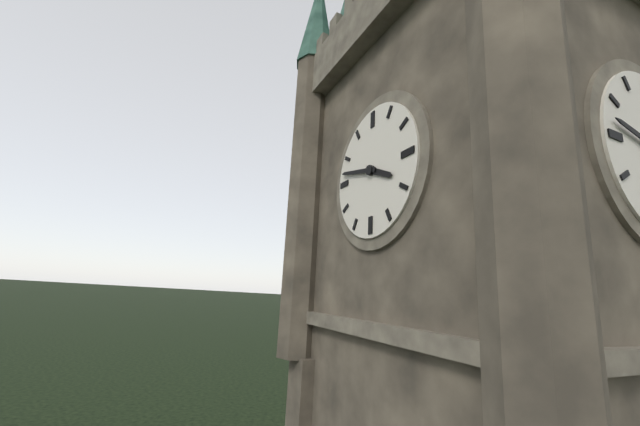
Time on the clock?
3:47
